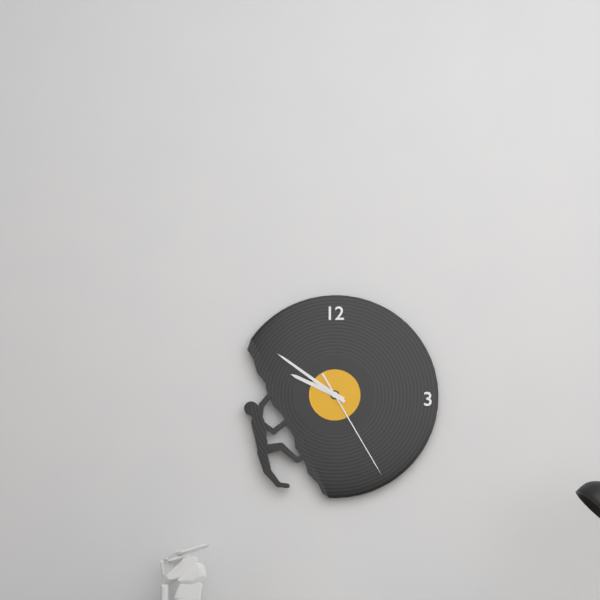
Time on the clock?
9:51:25
